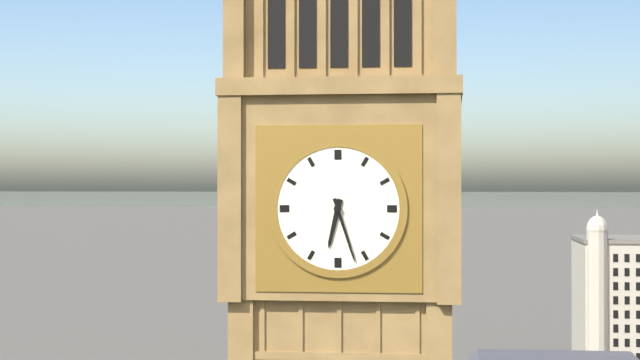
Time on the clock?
6:27
